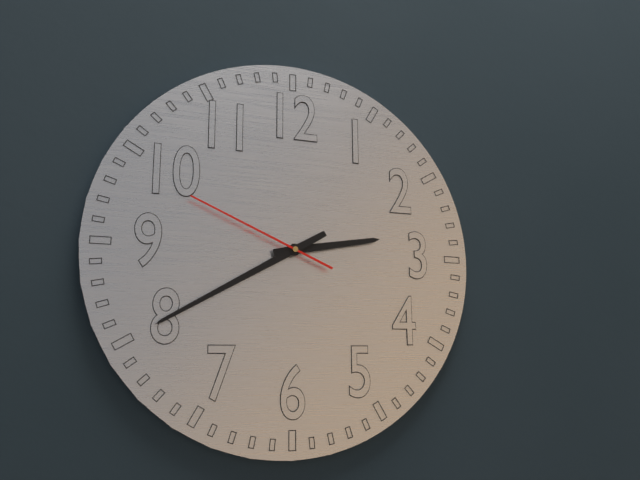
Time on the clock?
2:40:49
